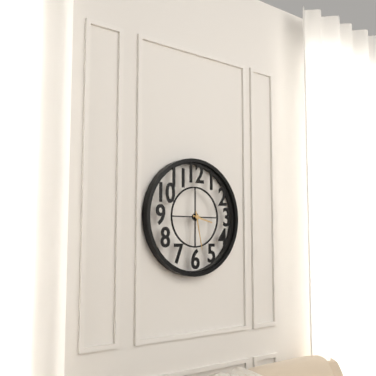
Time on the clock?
3:28
